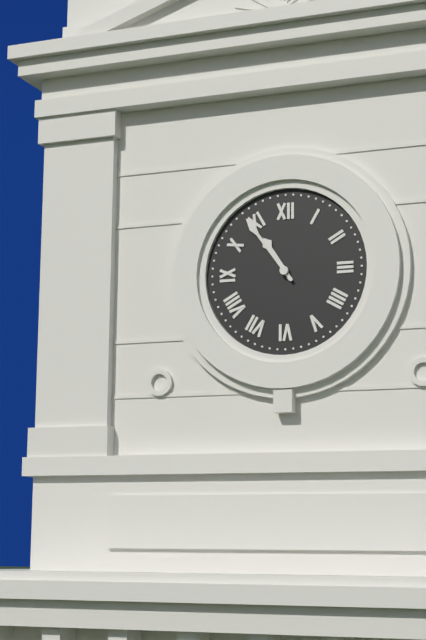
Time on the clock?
10:54
